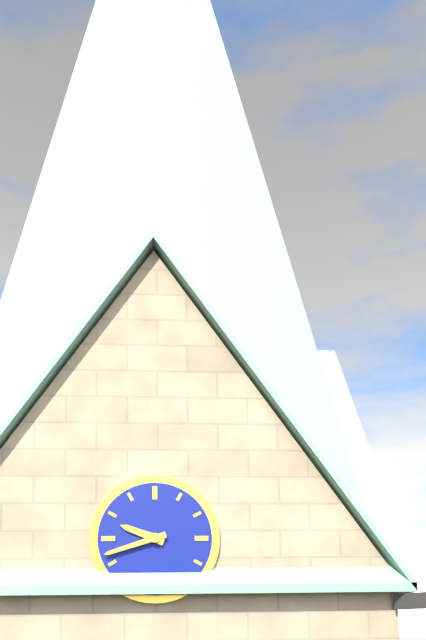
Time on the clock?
9:42
